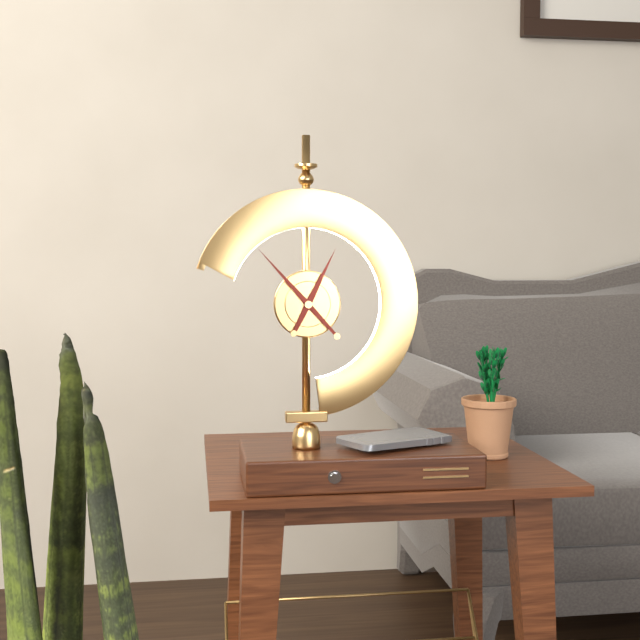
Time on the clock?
12:53
